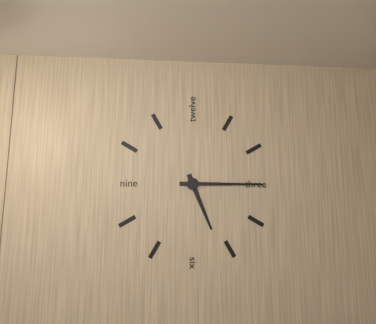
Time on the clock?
5:15
